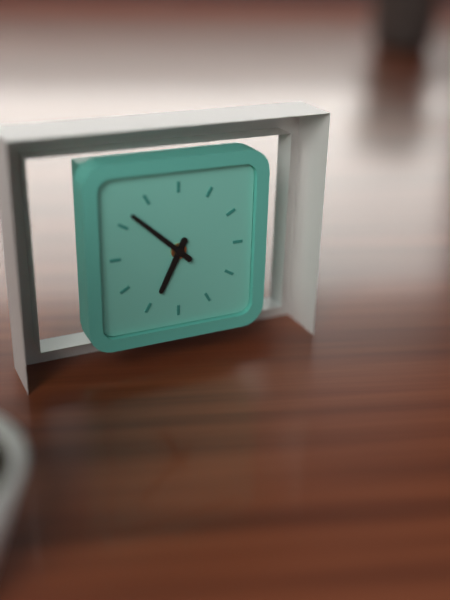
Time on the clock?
6:52
